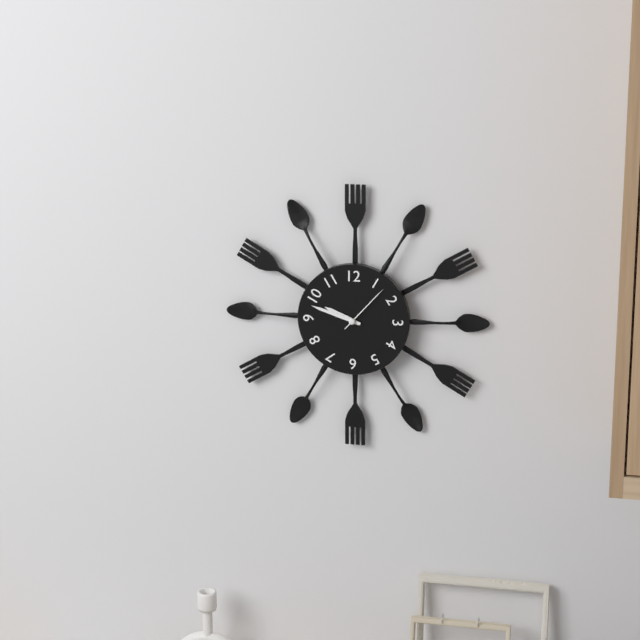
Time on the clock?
9:48:07
